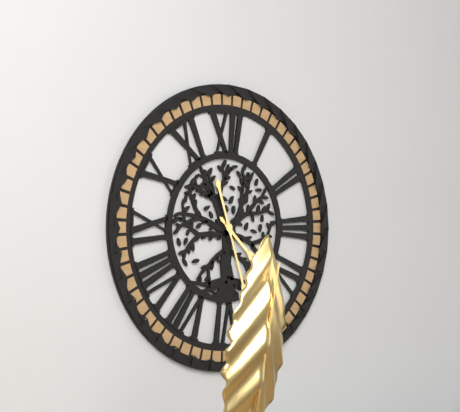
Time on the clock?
4:27
